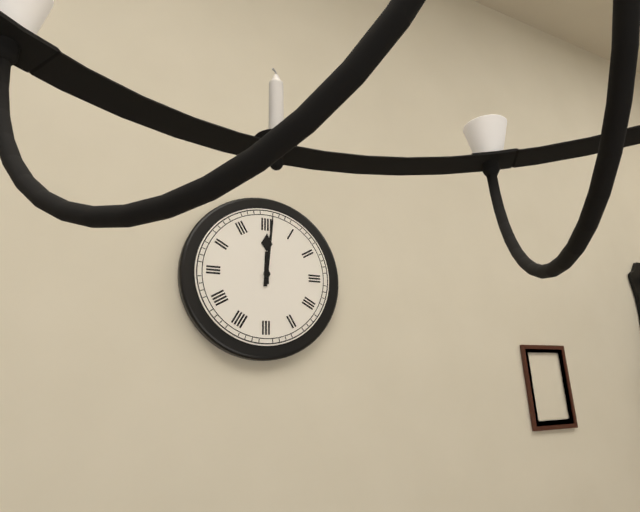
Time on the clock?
12:01
